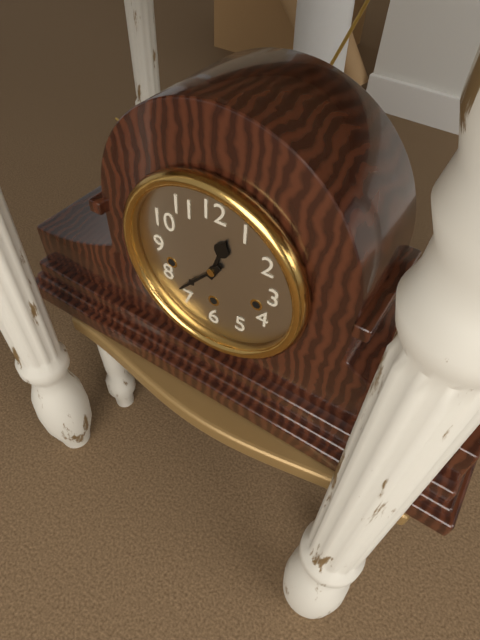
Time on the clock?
12:37
